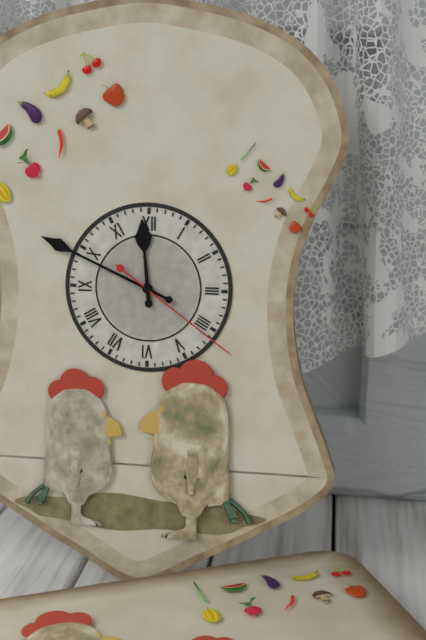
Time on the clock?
11:49:21
